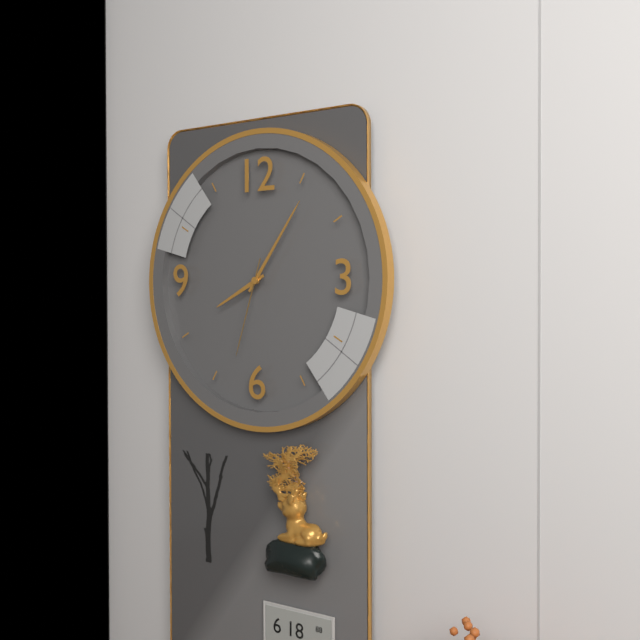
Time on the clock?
8:06:33
